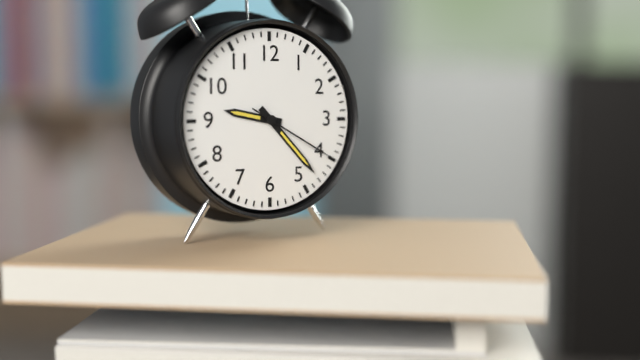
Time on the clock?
9:23:20
